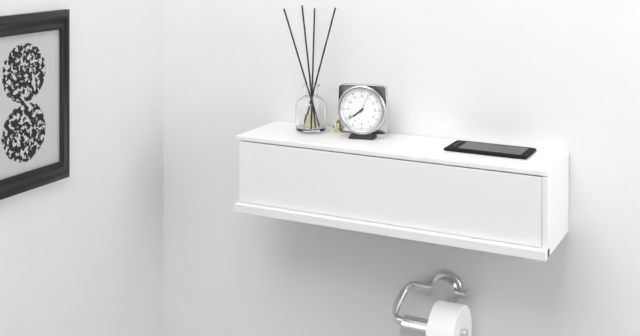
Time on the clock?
7:39
